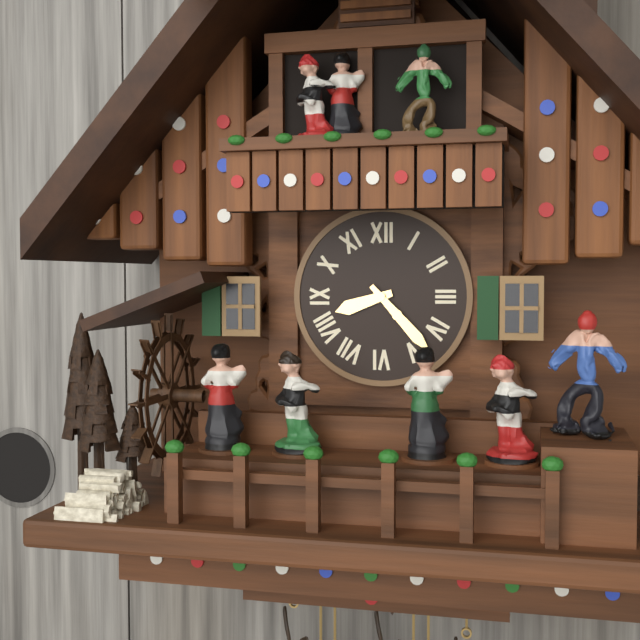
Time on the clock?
8:23
